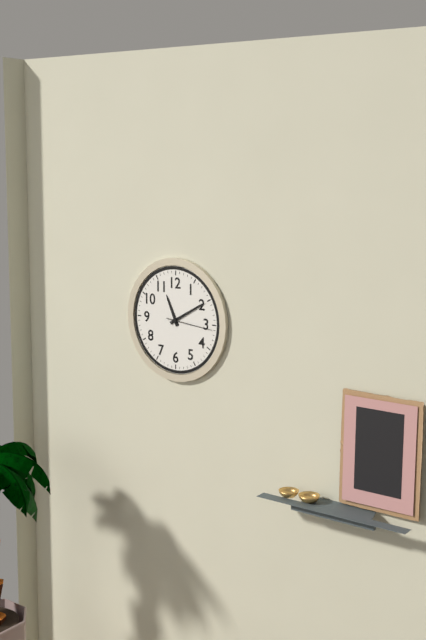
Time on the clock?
11:10
